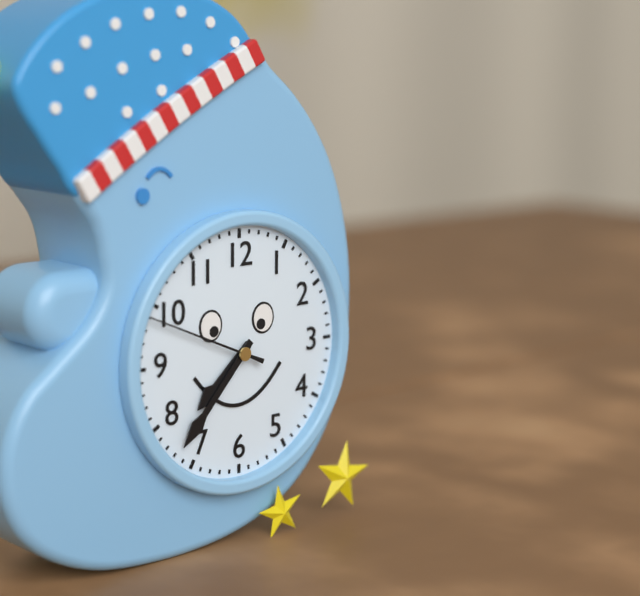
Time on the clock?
7:37:49
